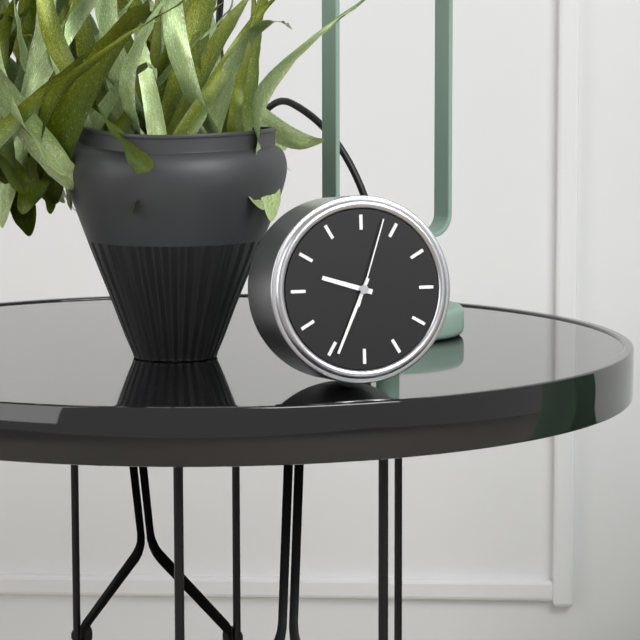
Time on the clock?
9:34:03
